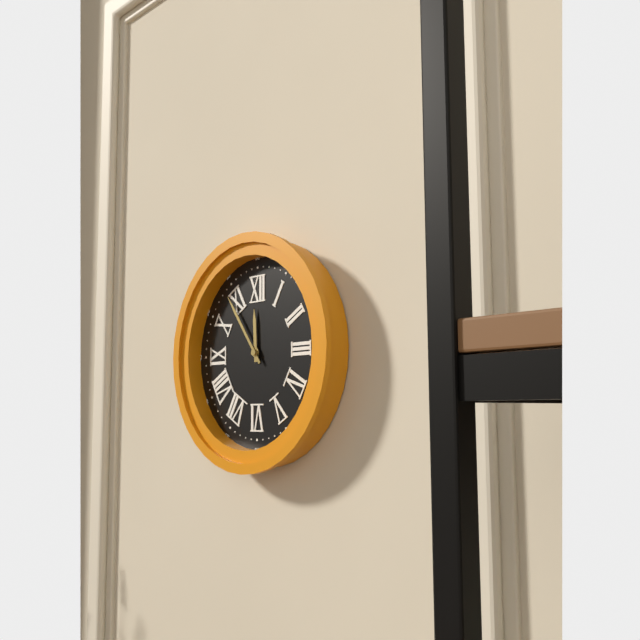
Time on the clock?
11:54
